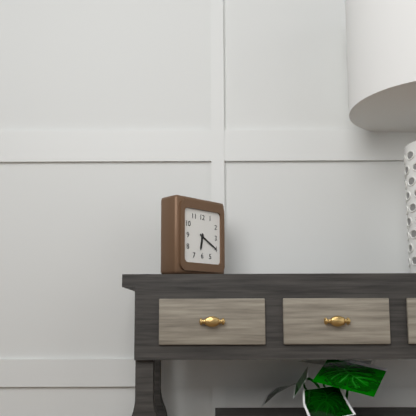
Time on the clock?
6:20
